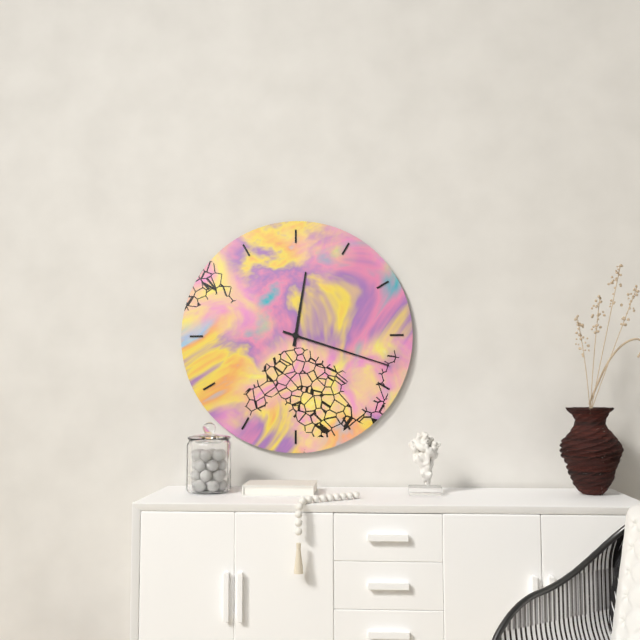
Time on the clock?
12:18
